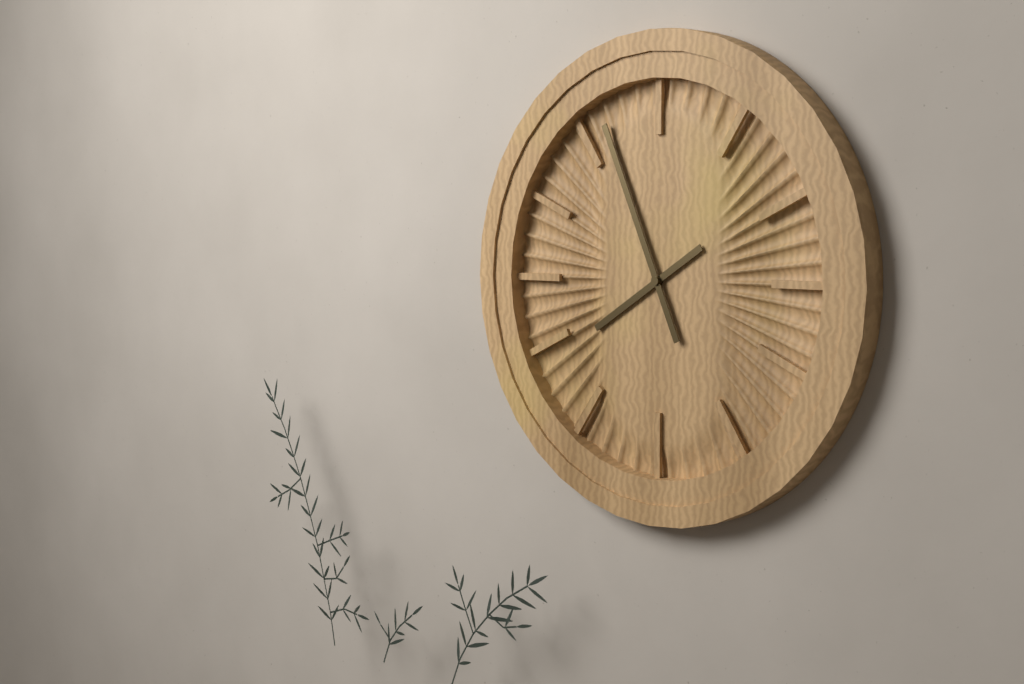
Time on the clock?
7:56
